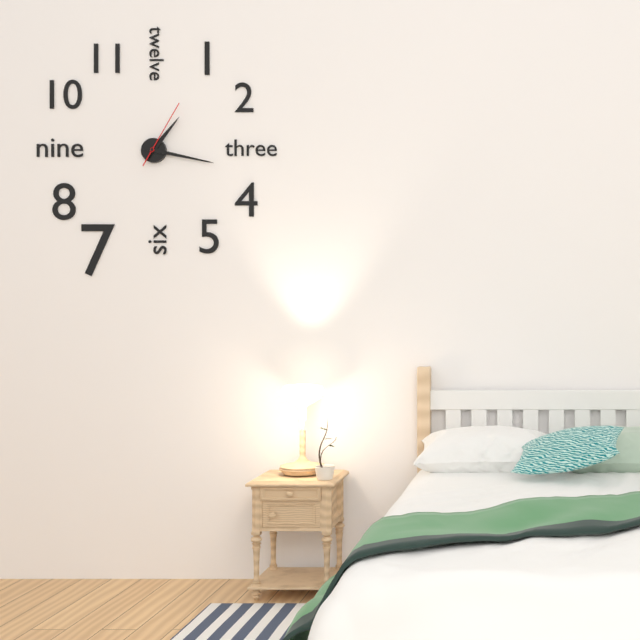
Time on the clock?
1:17:05
